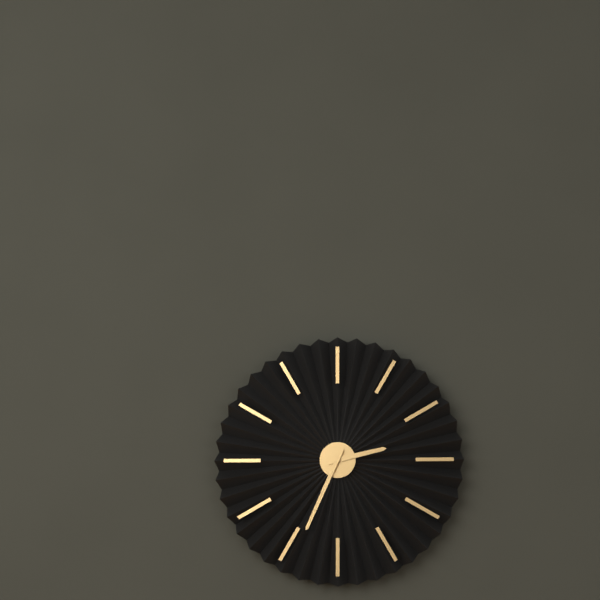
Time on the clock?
2:34
